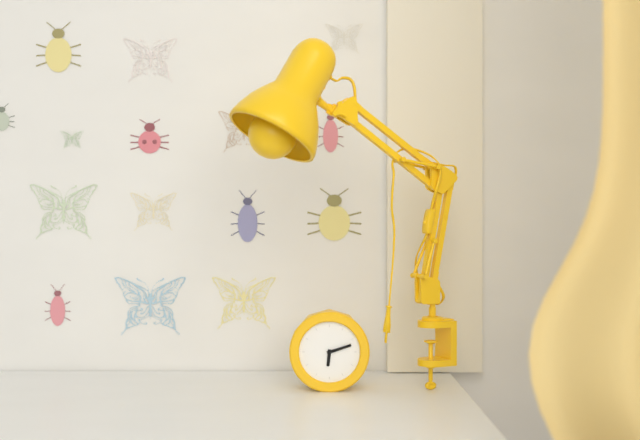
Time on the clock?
6:12
